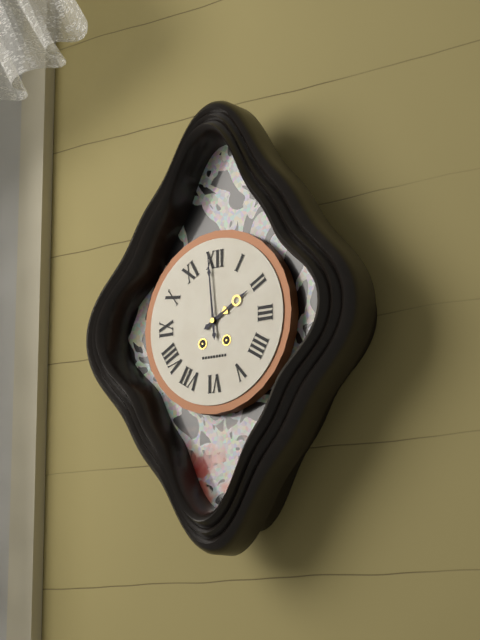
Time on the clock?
1:59
